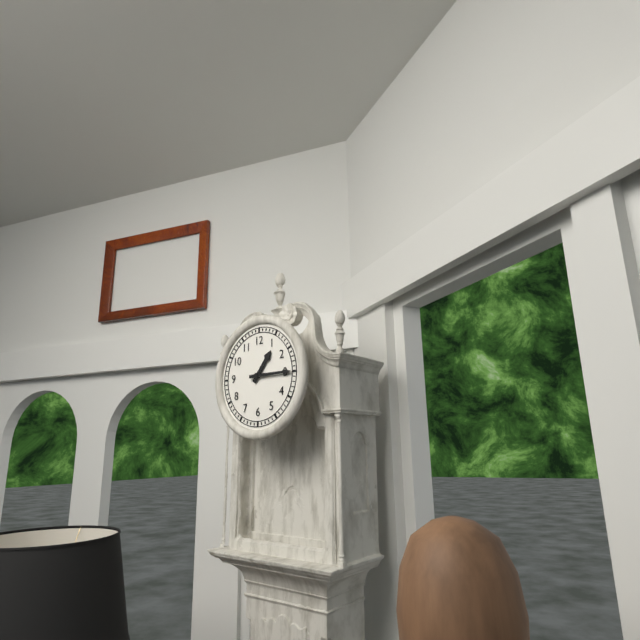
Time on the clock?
1:15
